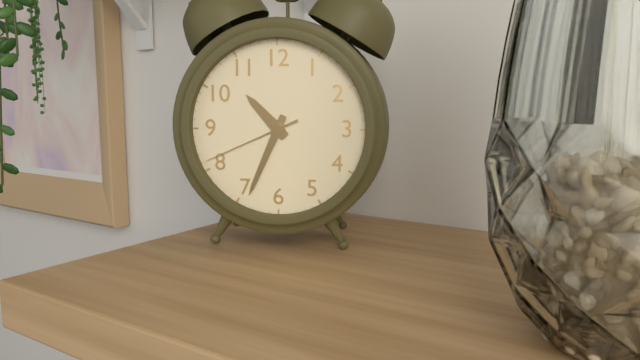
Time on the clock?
10:34:41
